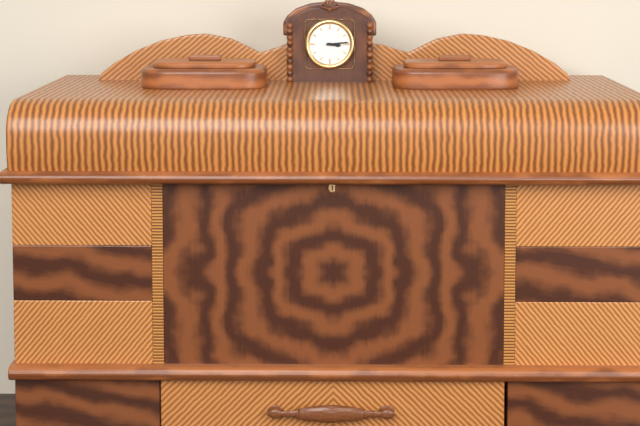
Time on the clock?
3:14
